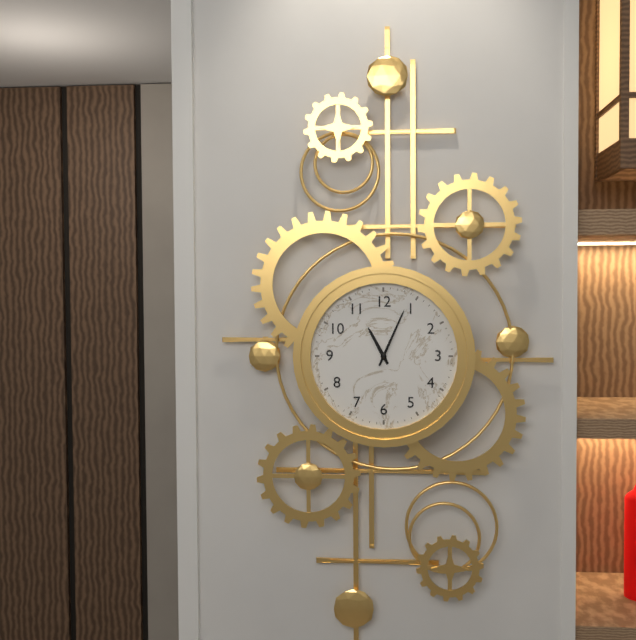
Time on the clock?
11:04
